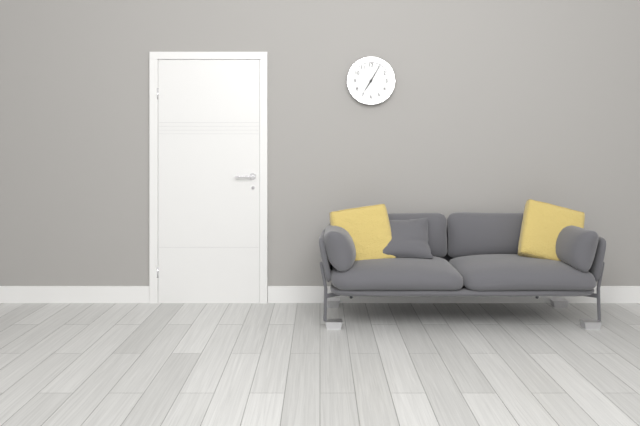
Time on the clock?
7:05
